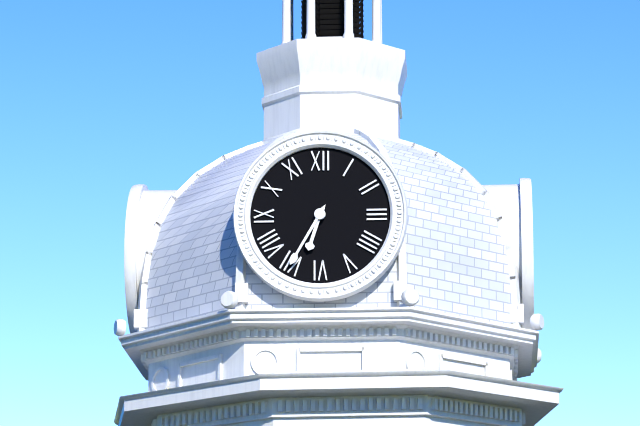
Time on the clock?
6:35
